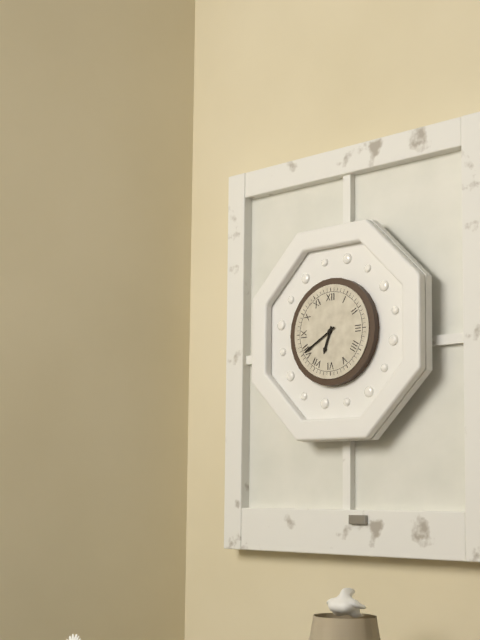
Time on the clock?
6:40
